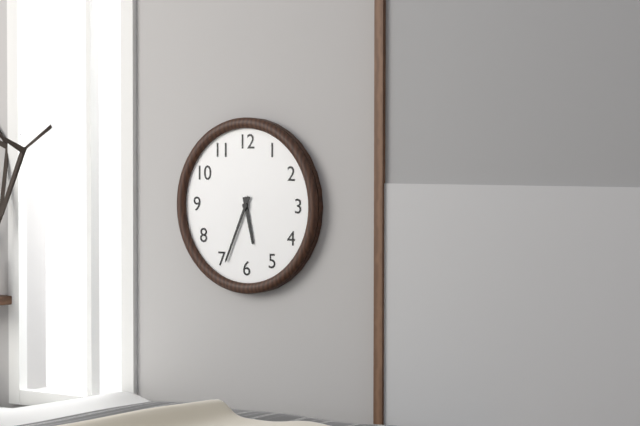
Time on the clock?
5:34
